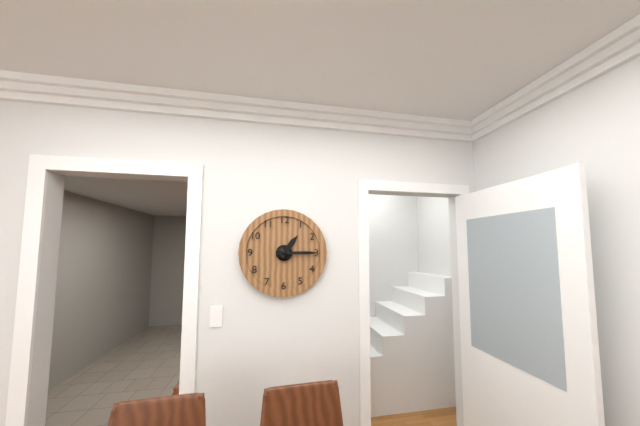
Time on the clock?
1:15
